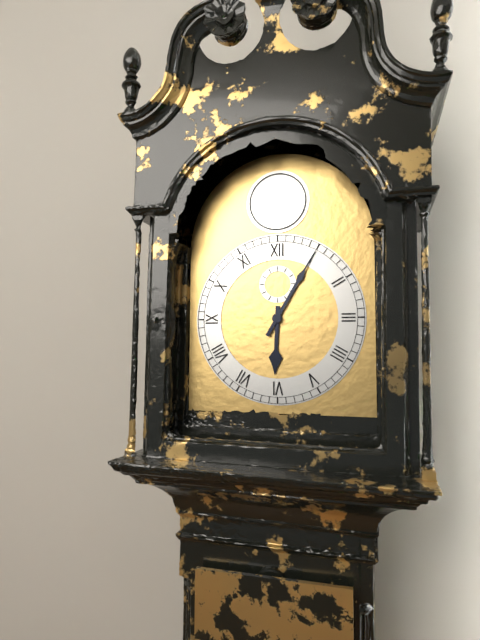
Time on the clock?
6:05
